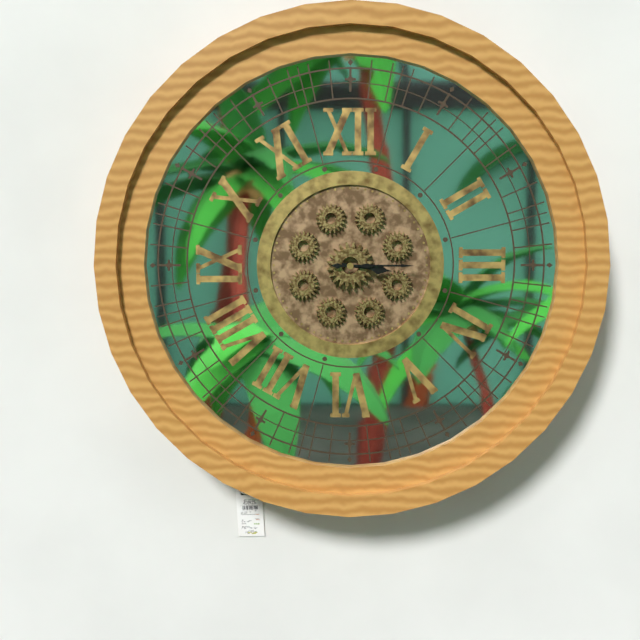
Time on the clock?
3:15
